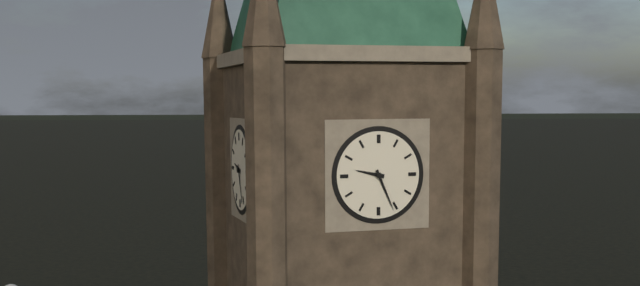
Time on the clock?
9:26
